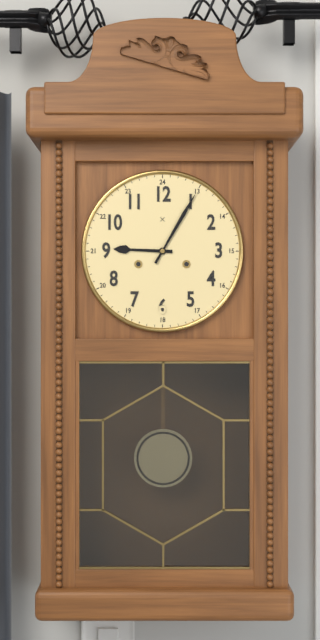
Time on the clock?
9:05
